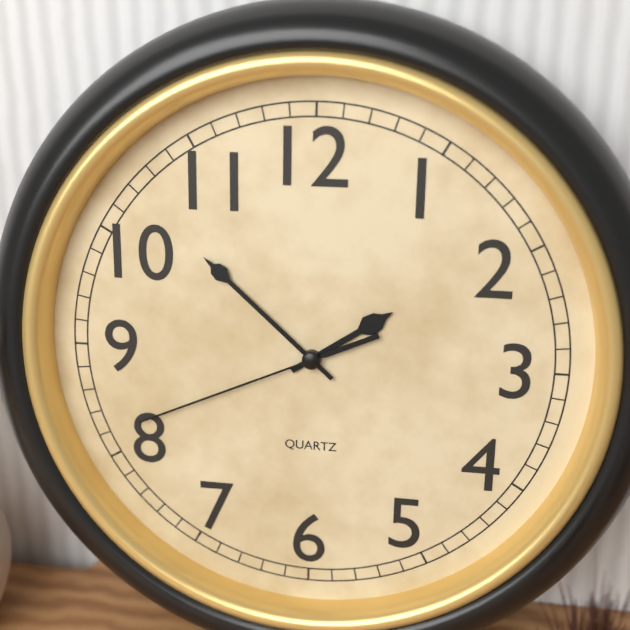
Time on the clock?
1:52:41
